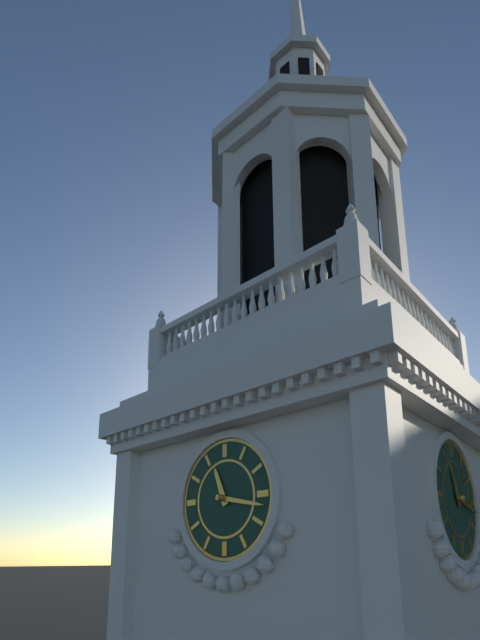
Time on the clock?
11:17
